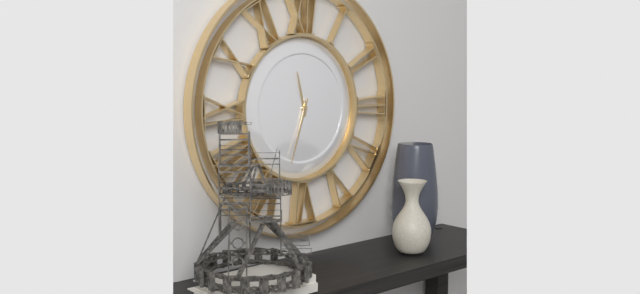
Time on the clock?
11:33
